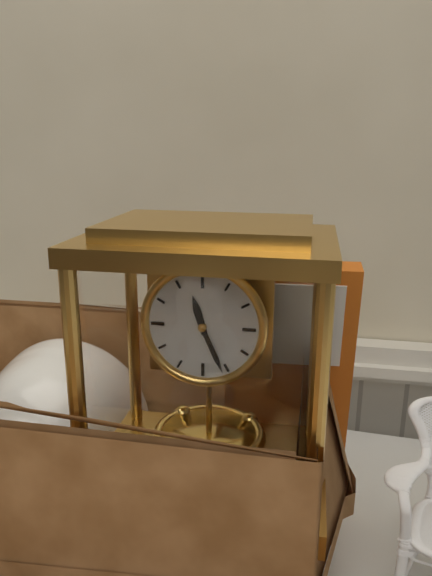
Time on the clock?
11:26
